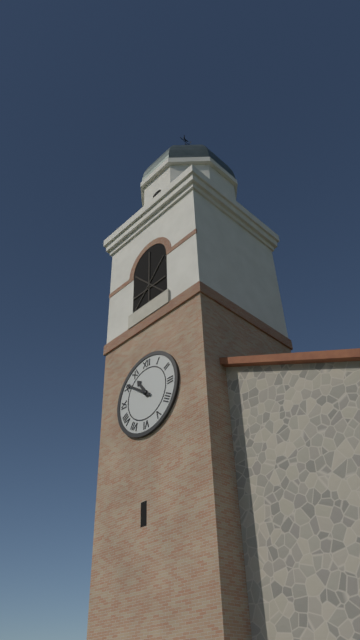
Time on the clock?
10:51
